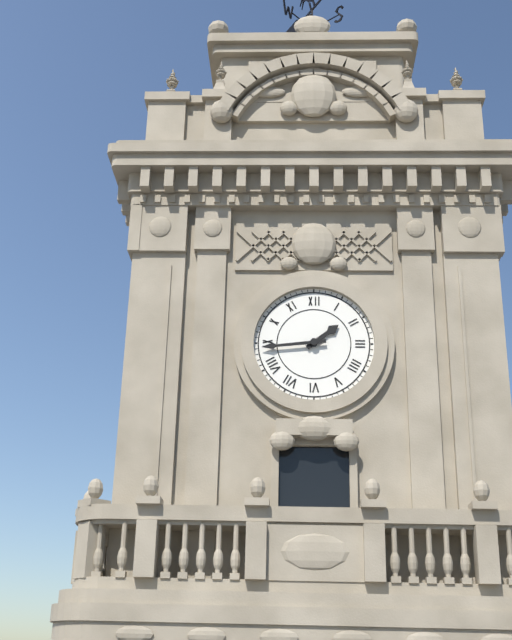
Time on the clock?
1:44
